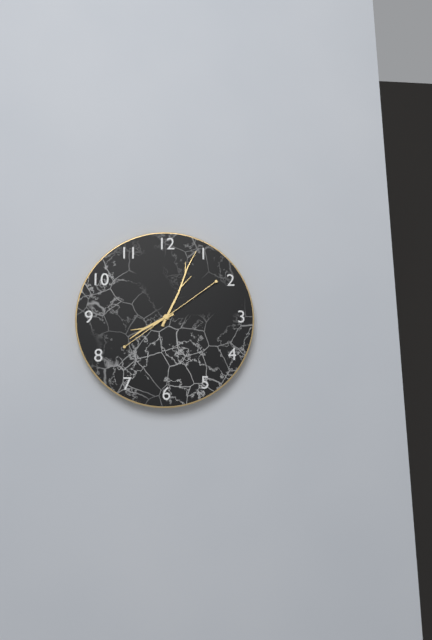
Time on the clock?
8:04:09
